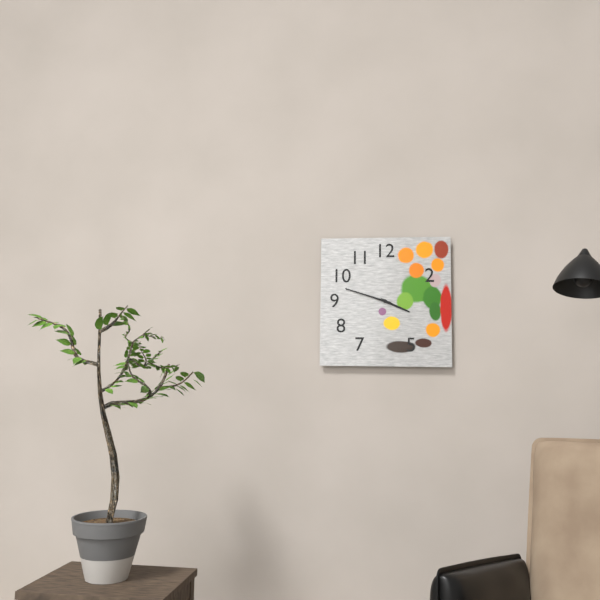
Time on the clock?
3:48
